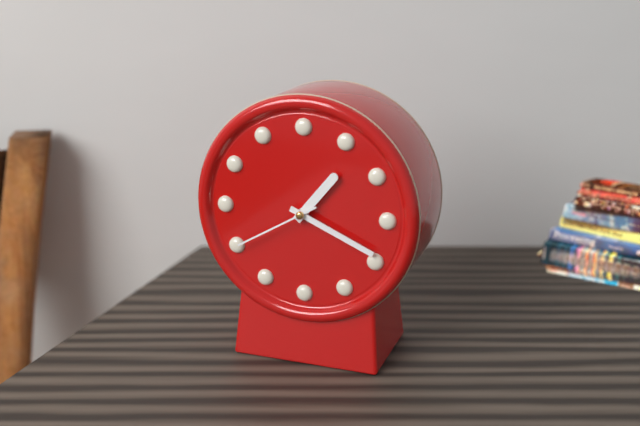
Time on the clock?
1:19:40
